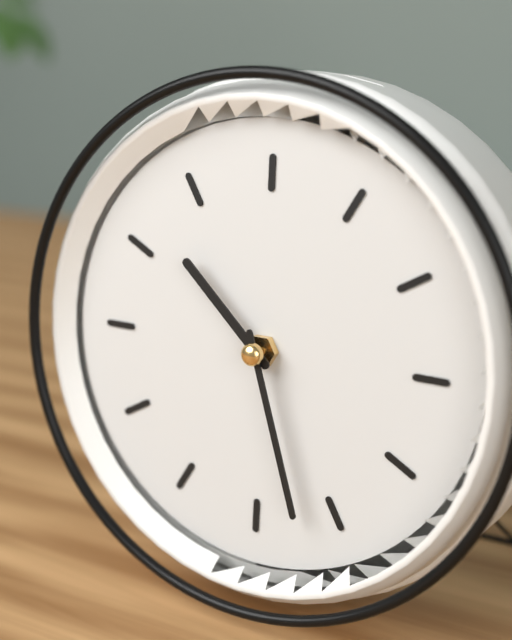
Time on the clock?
10:27
